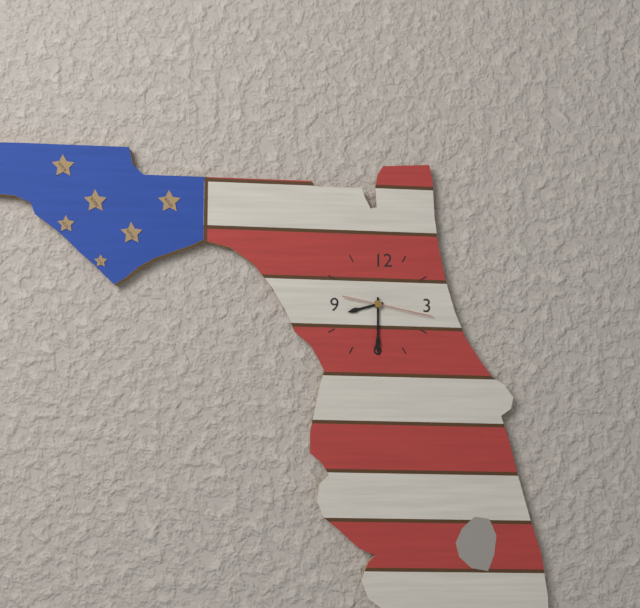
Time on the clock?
8:30:17
